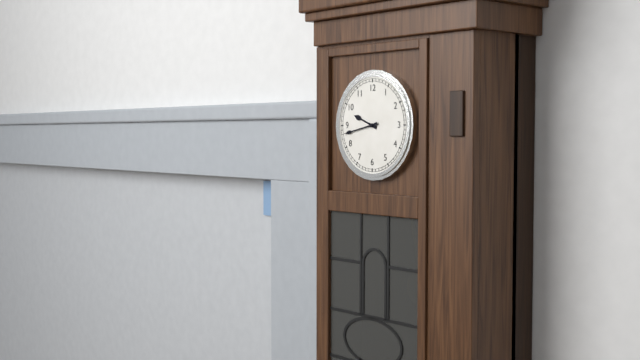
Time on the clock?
9:43
